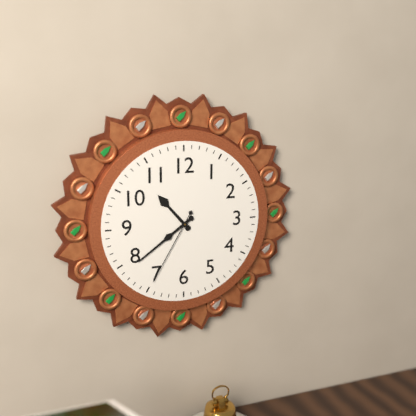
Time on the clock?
10:39:35
